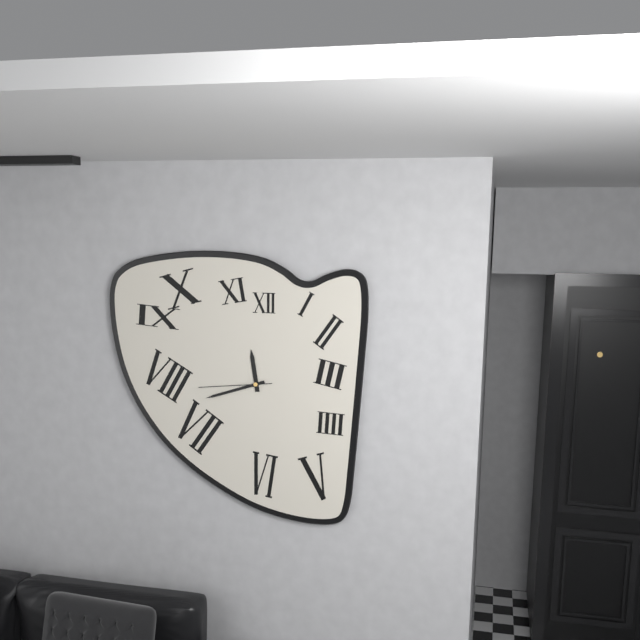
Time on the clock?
11:42:44
